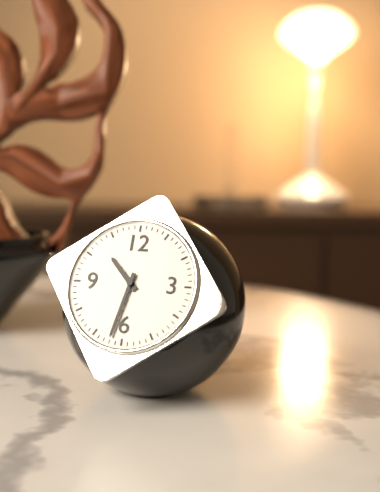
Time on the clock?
10:32
